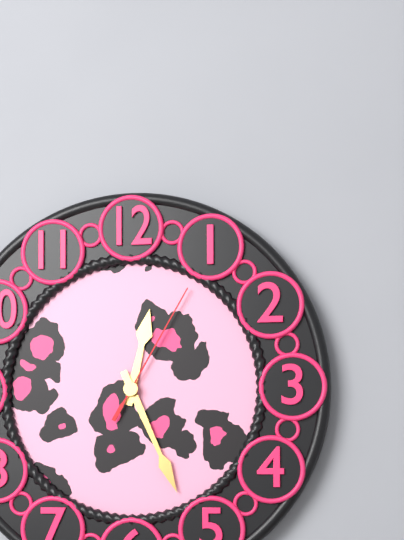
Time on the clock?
12:26:05
